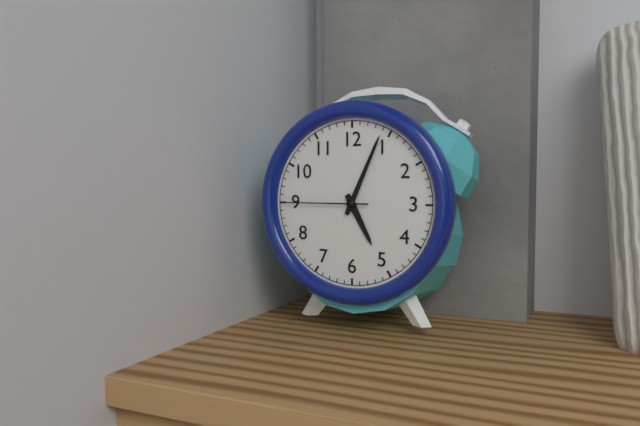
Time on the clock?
5:04:45
